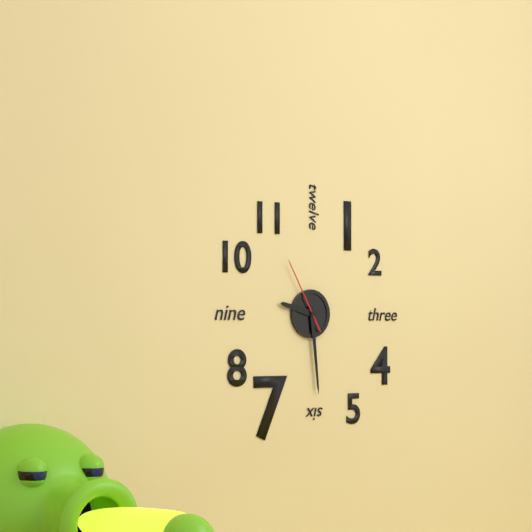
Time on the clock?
9:29:55
